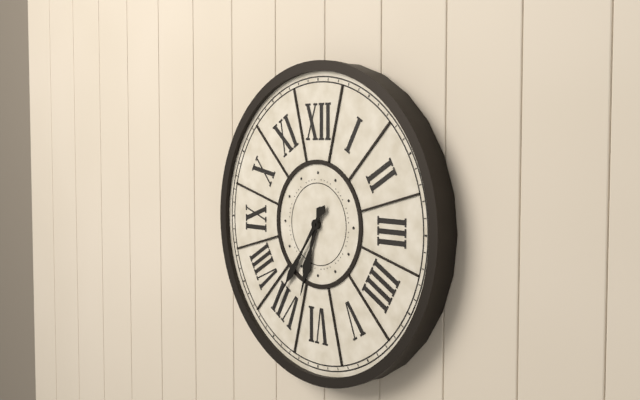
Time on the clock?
6:36
